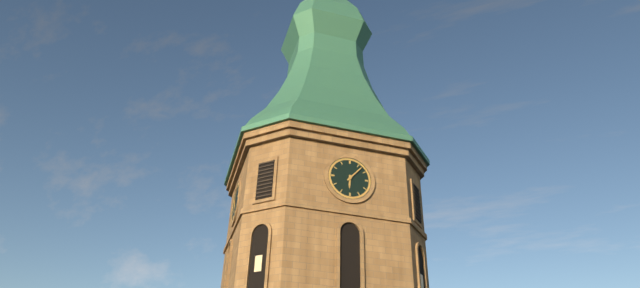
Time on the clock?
6:07
